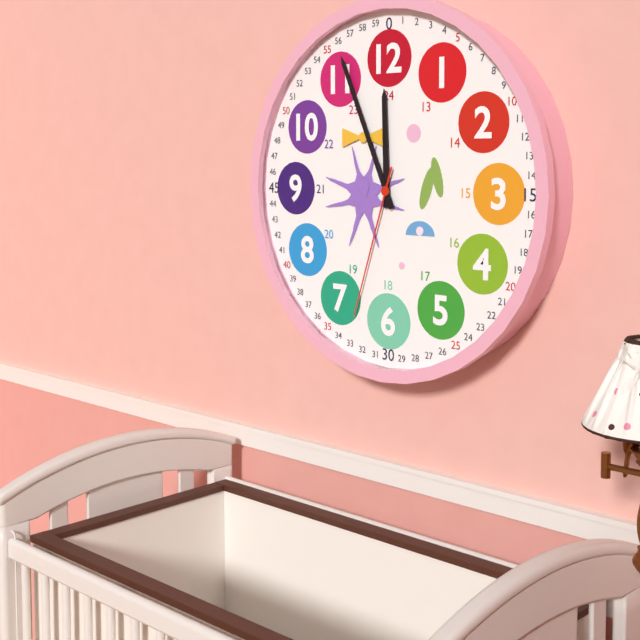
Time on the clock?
11:56:33
